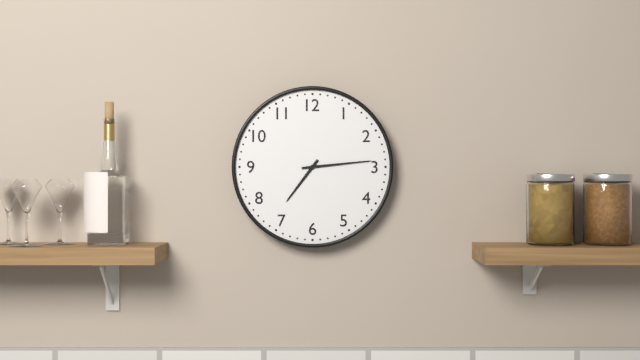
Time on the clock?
7:14
